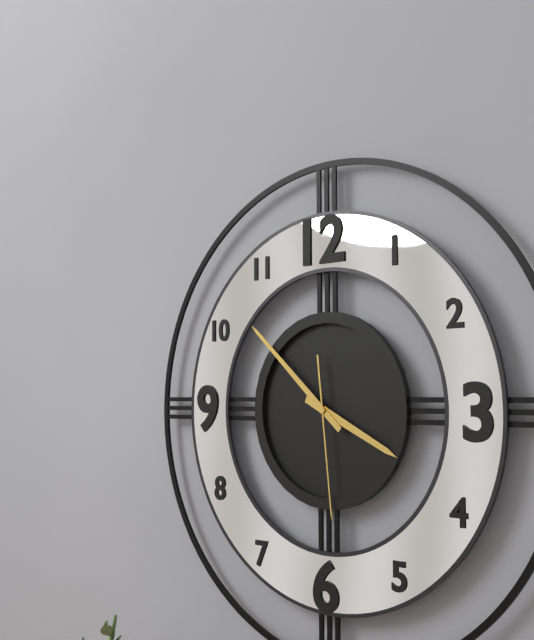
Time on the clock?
3:52:29
